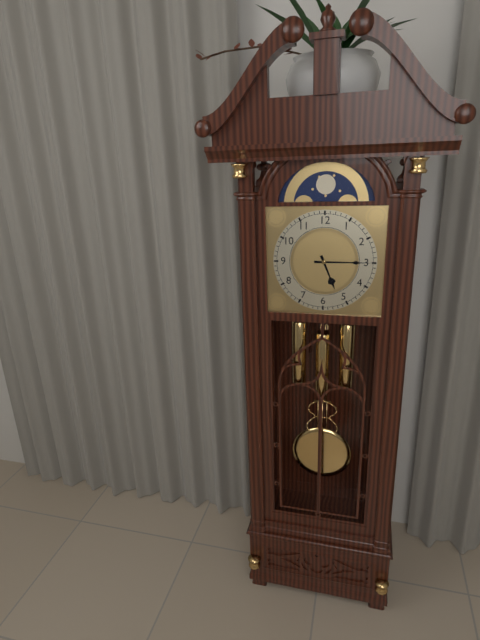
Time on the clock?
5:15
